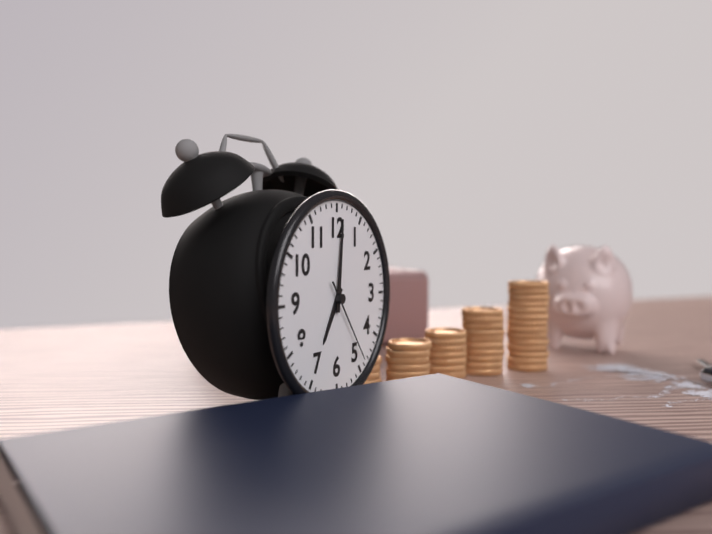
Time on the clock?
7:01:24
